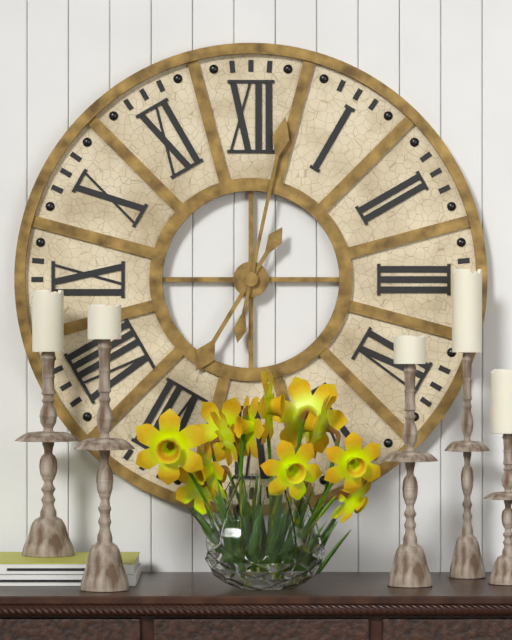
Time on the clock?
7:02
